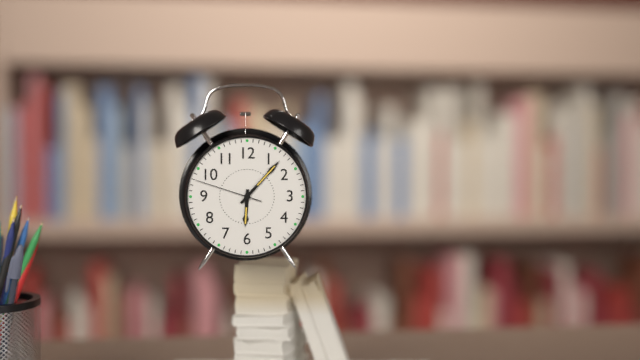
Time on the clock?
6:07:48
